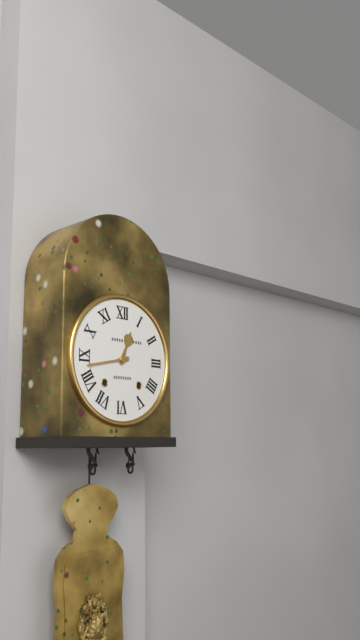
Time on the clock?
12:43
